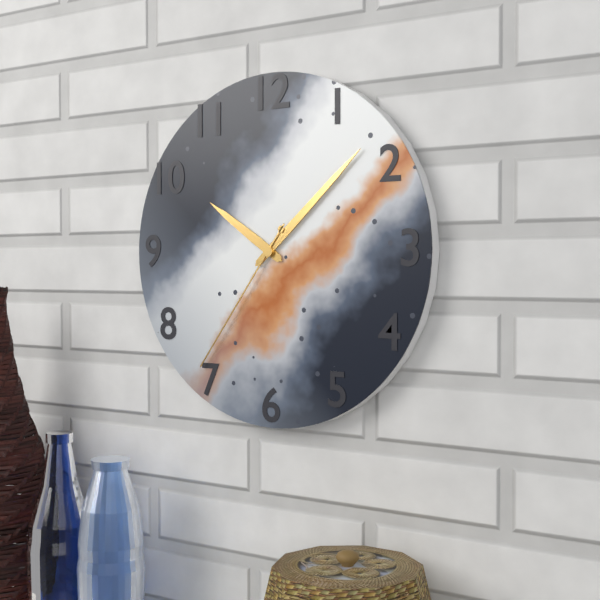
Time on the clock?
10:08:36
